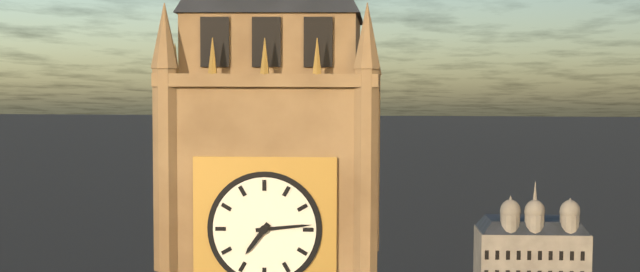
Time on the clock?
7:14
